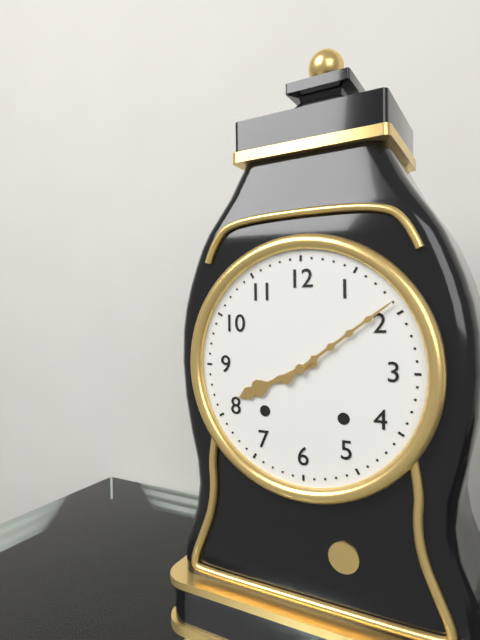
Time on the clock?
8:09
